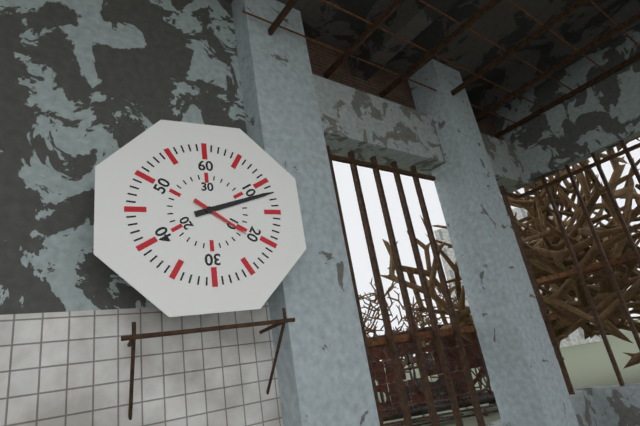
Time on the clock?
4:12
